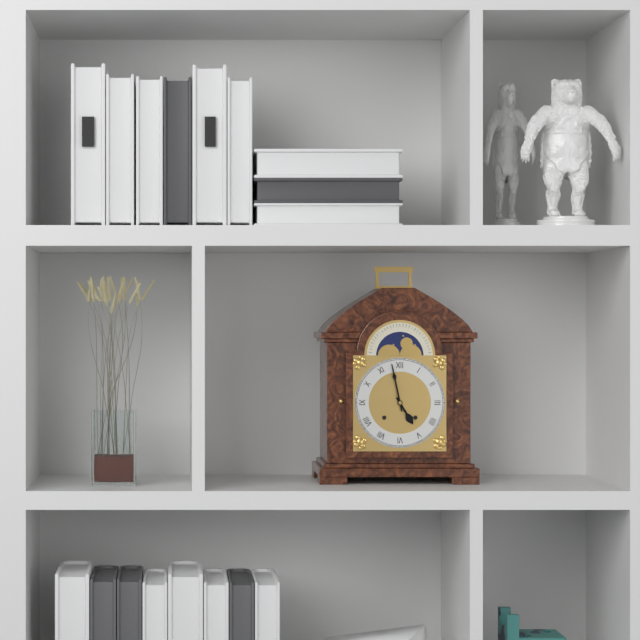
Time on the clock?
4:58
